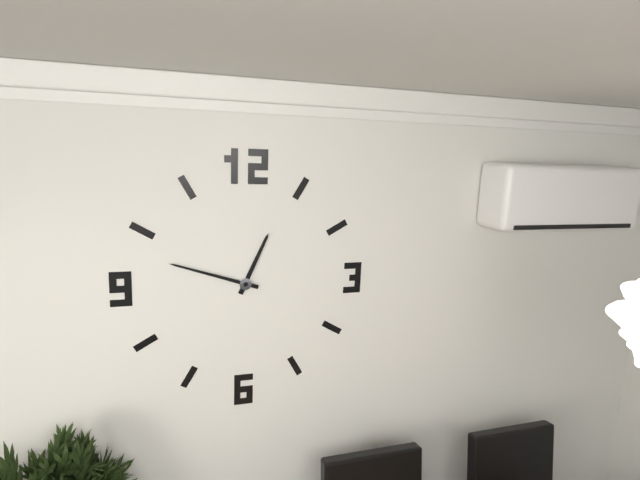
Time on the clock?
12:48
